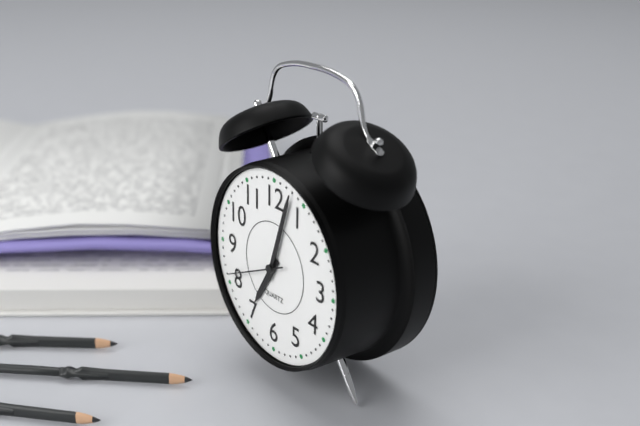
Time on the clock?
7:03:41
